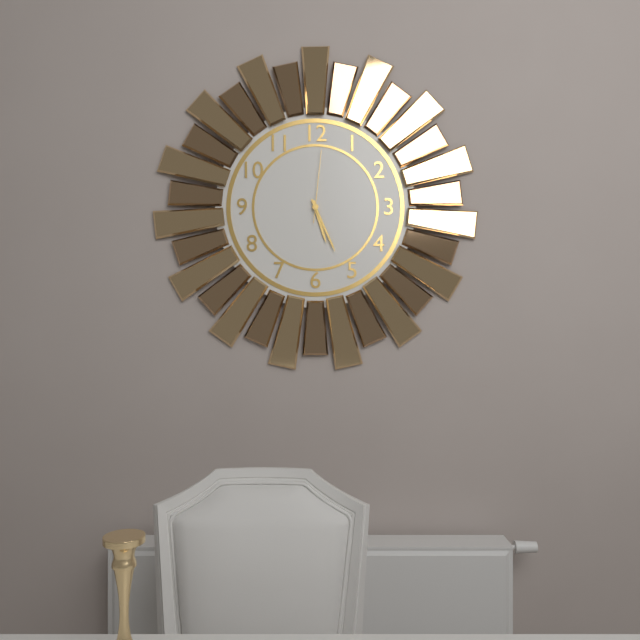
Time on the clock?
5:26:01
